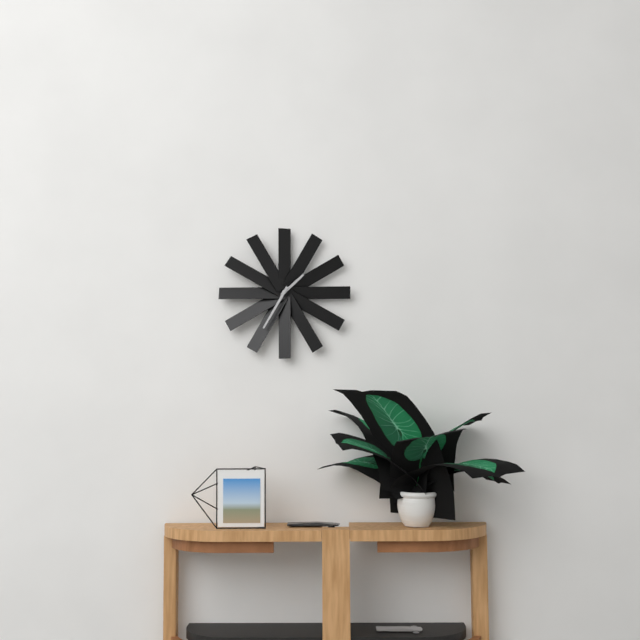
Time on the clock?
1:35
